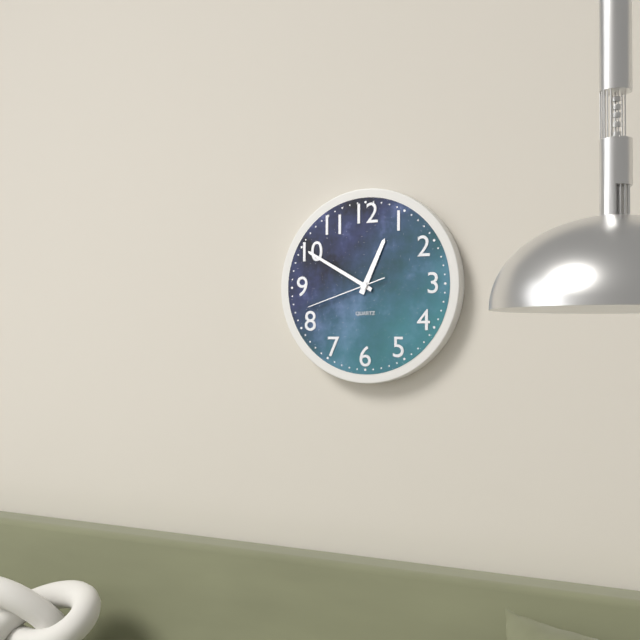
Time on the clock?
12:50:42
